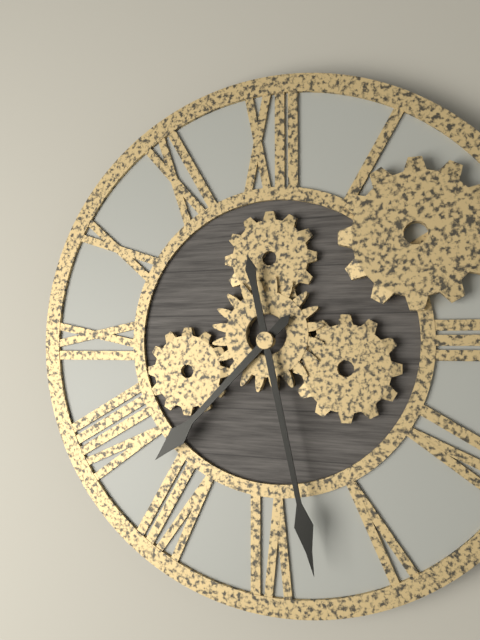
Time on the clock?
7:28
